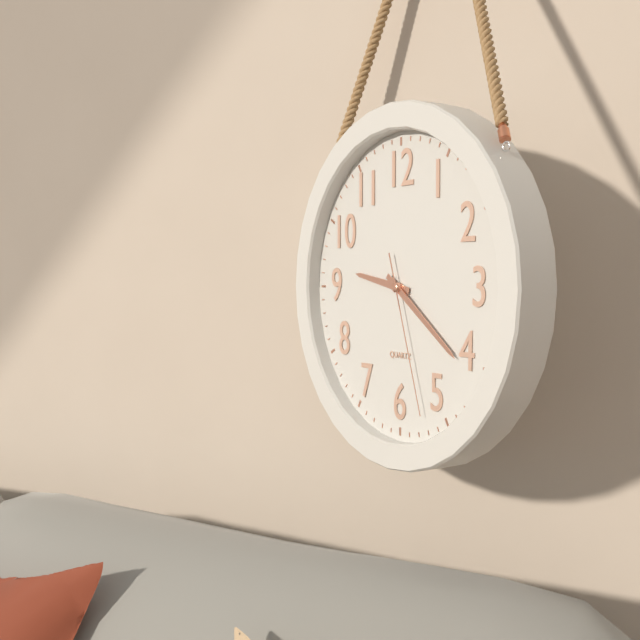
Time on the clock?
9:21:27
